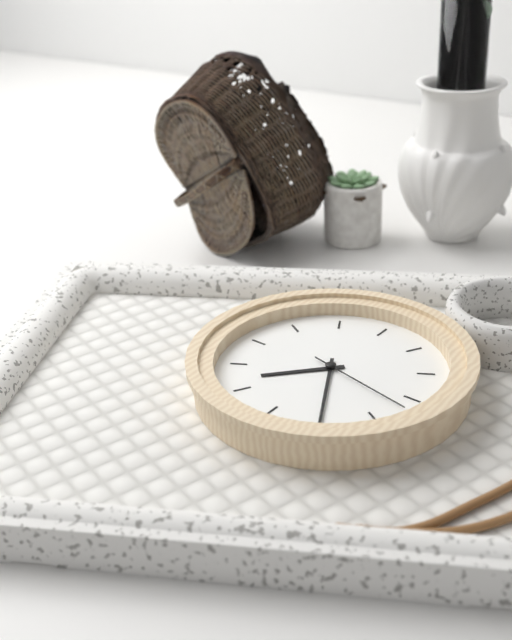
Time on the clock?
7:25:17
